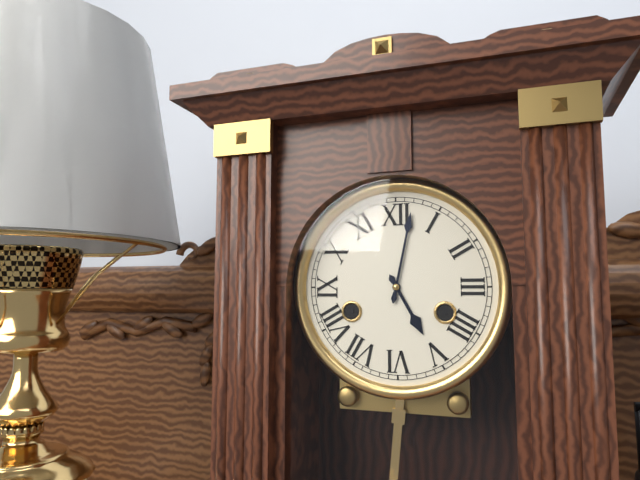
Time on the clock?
5:02
